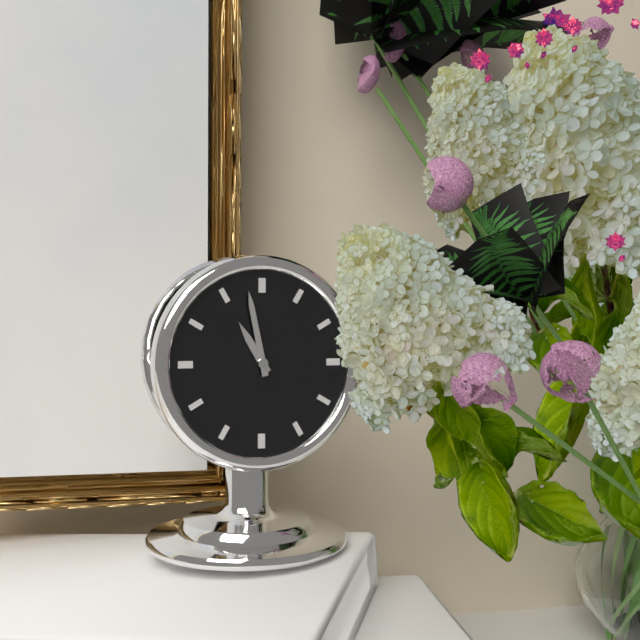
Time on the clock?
10:58
